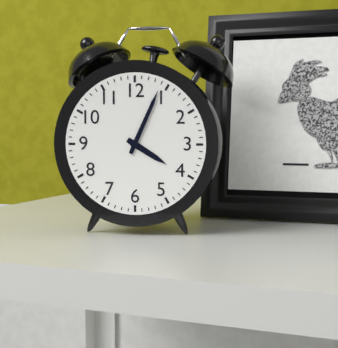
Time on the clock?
4:04
